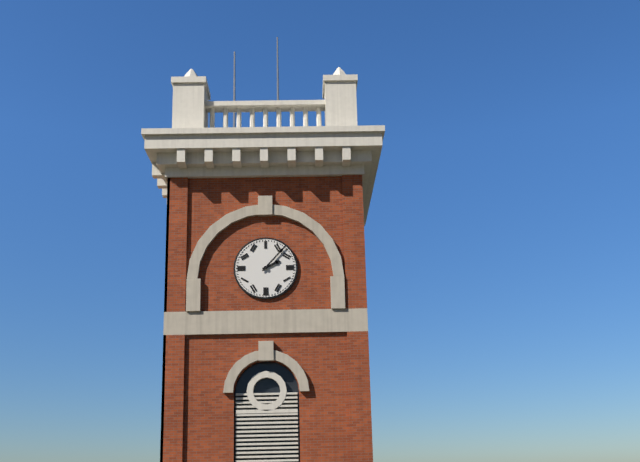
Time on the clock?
2:07
